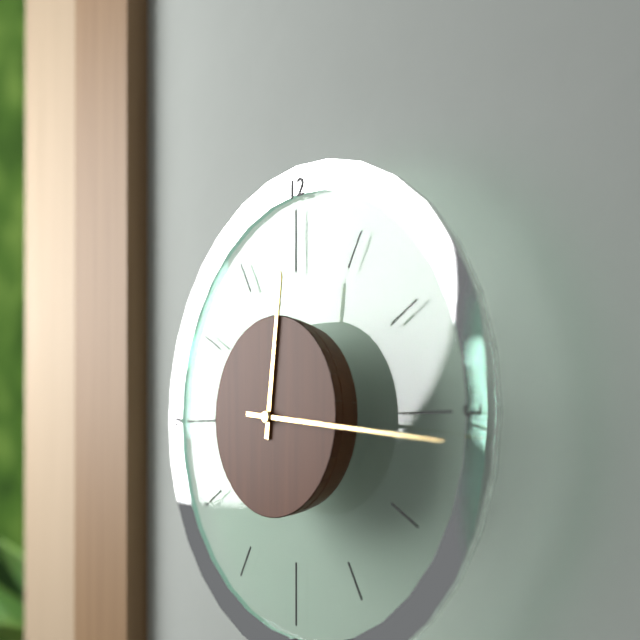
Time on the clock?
12:16
